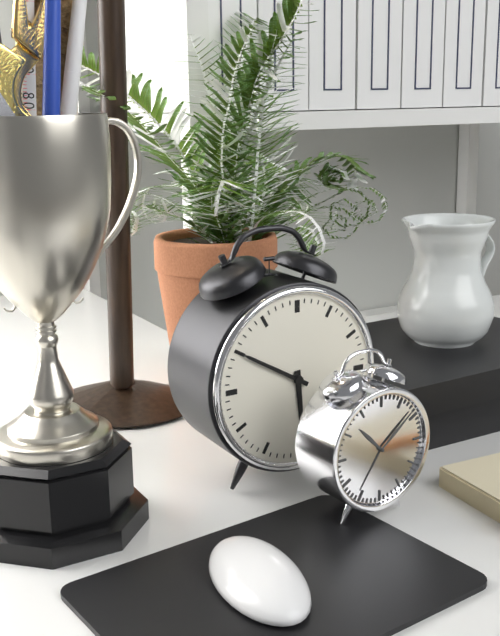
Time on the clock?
5:50
